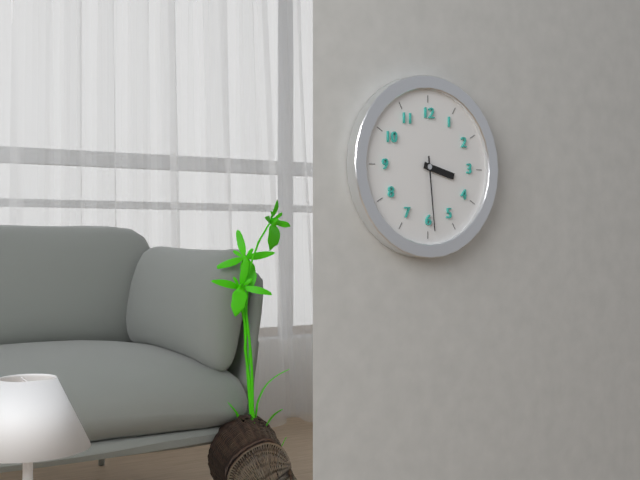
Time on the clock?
3:29
